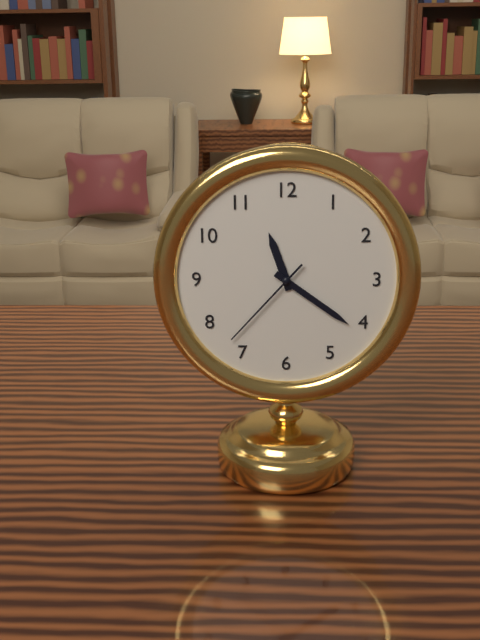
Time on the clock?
11:21:37
